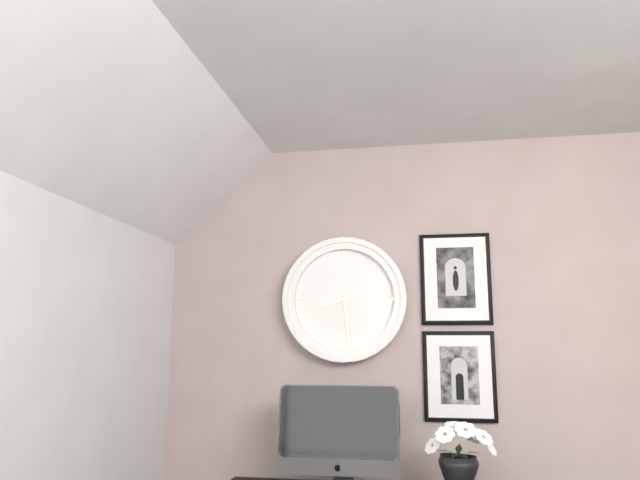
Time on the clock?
8:29
